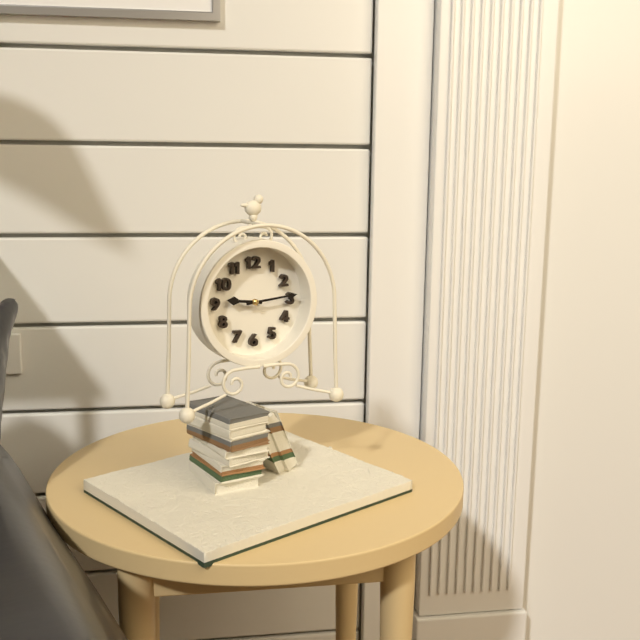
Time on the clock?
9:14
